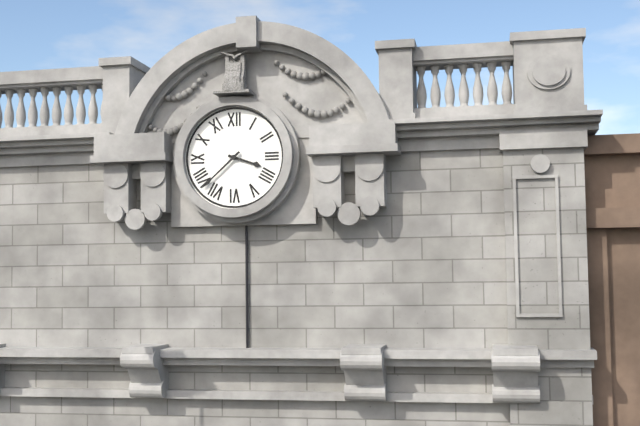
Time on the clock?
3:38
